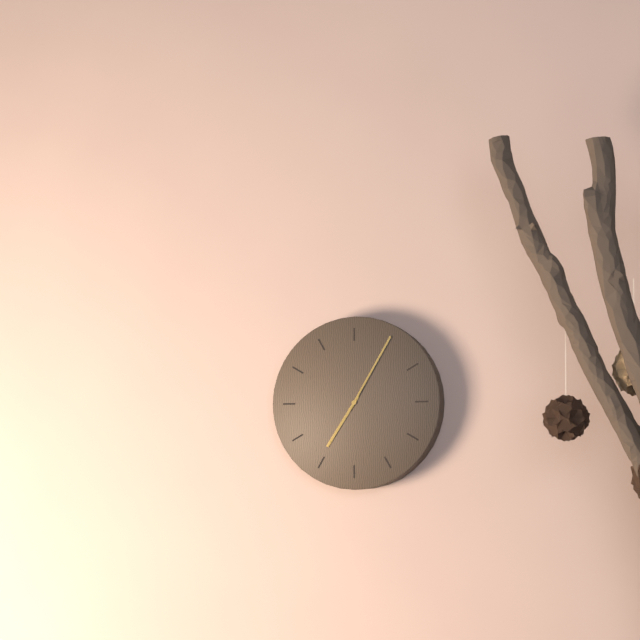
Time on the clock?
7:05
